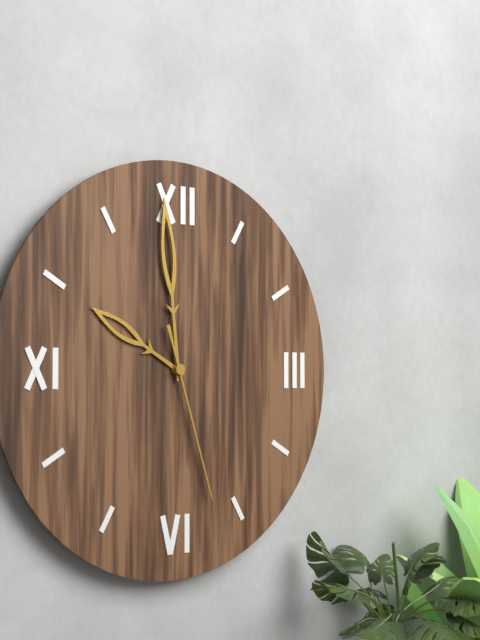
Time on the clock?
9:59:27
